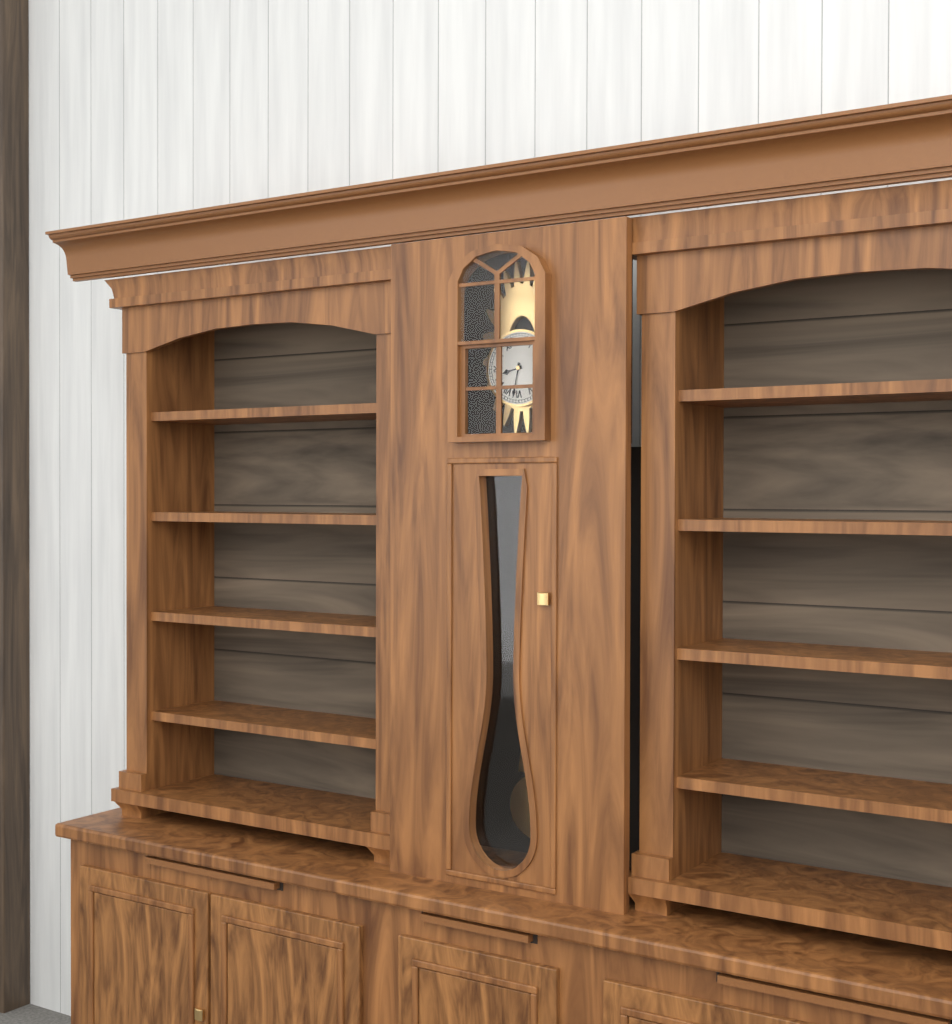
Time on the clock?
8:32
